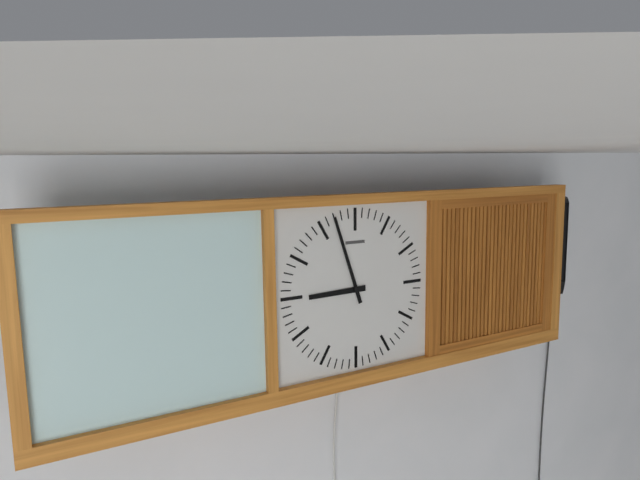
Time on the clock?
8:57
